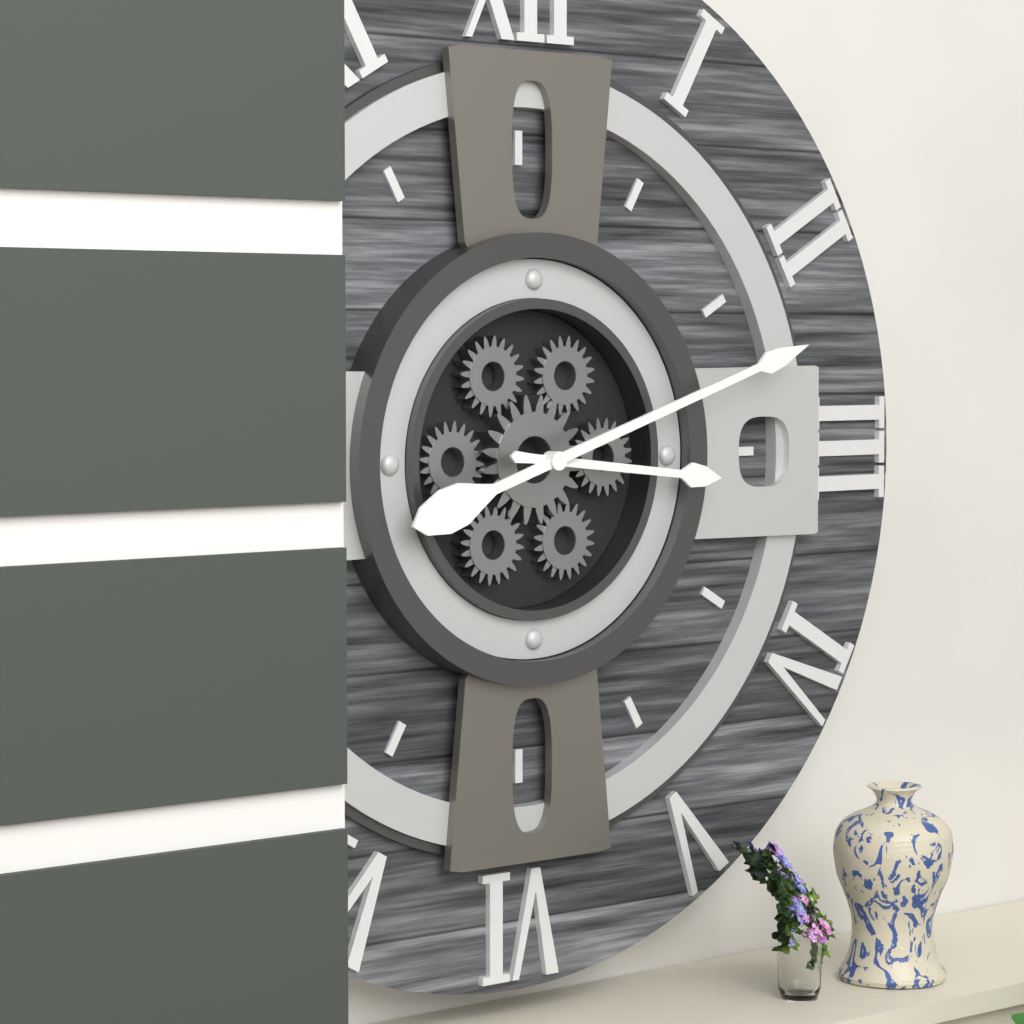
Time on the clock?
3:12
